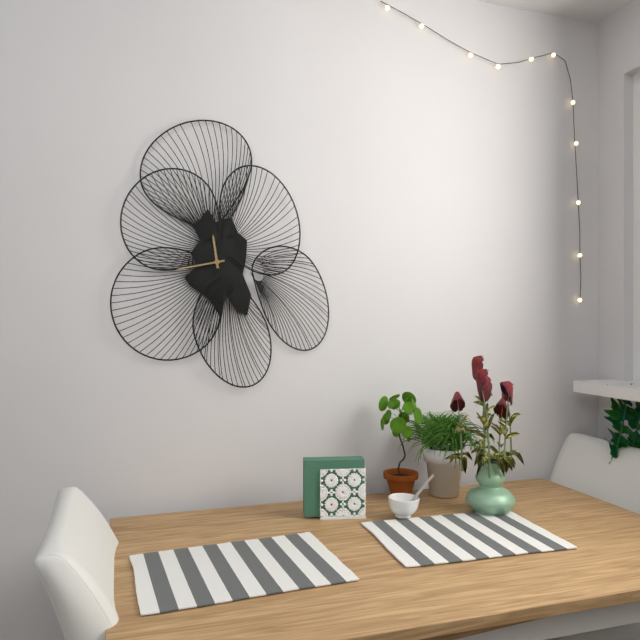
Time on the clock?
11:43
